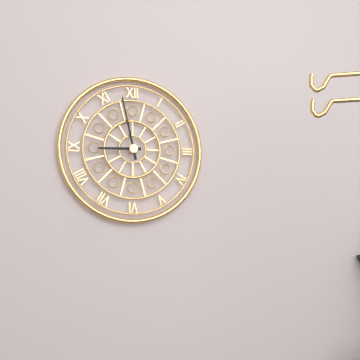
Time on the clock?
8:58
